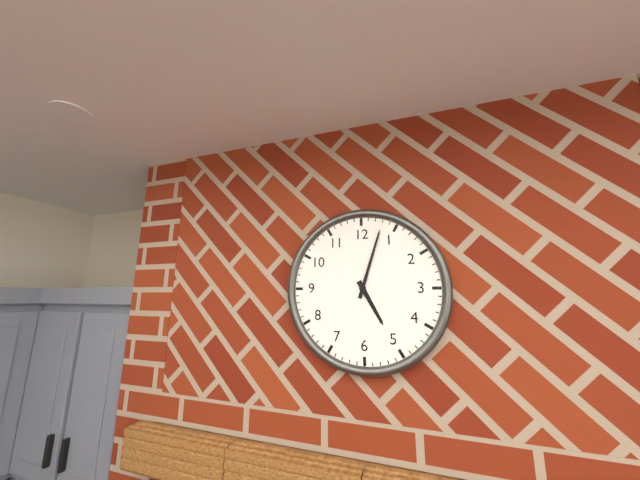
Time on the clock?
5:03
